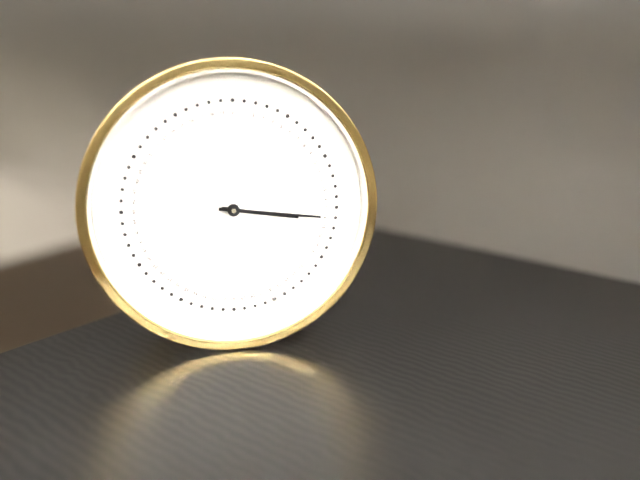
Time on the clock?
3:16
